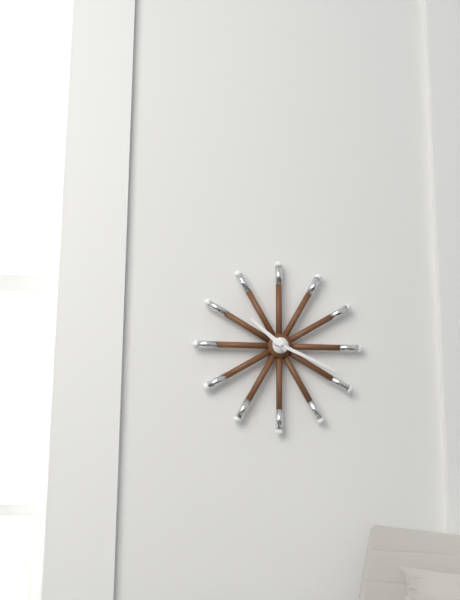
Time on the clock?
10:19
